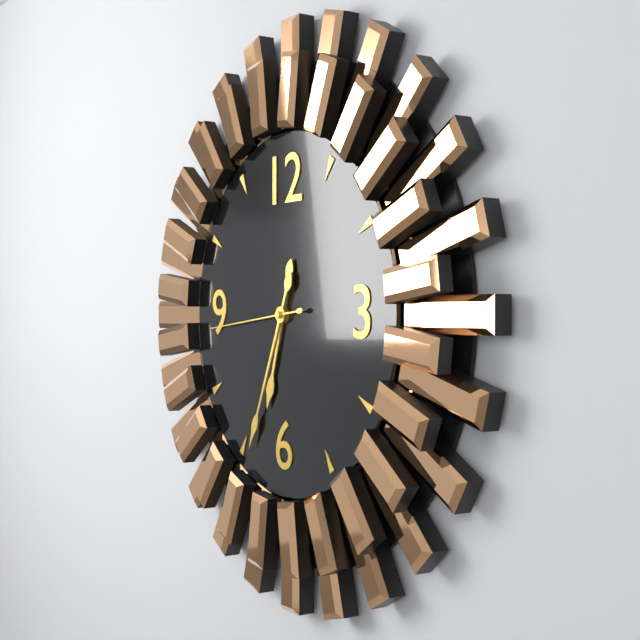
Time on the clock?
6:34:44
